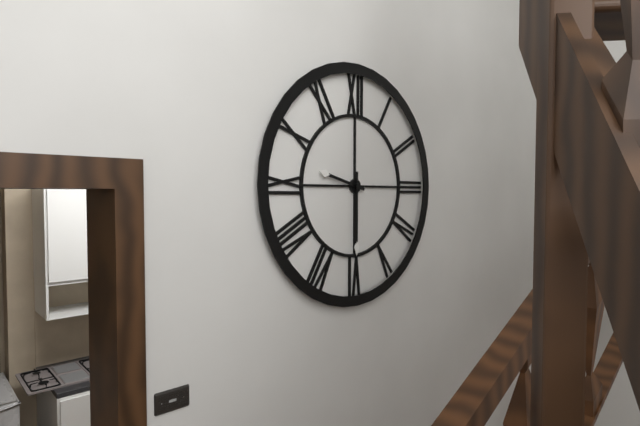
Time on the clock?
9:30
